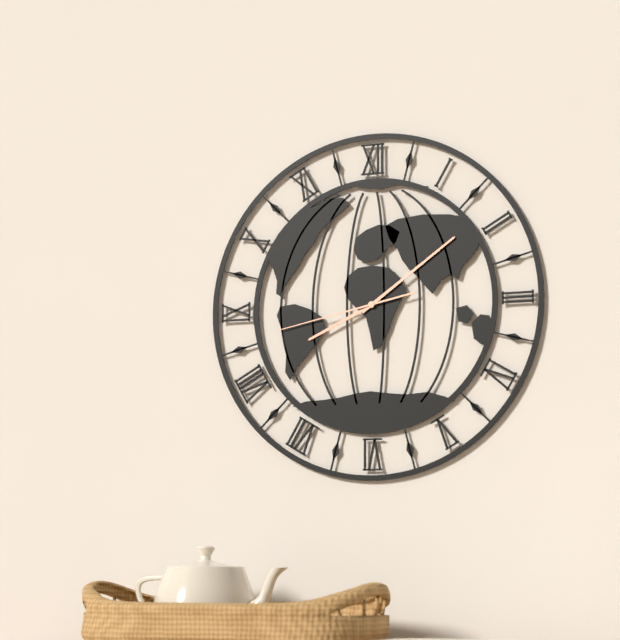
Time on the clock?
8:09:43
